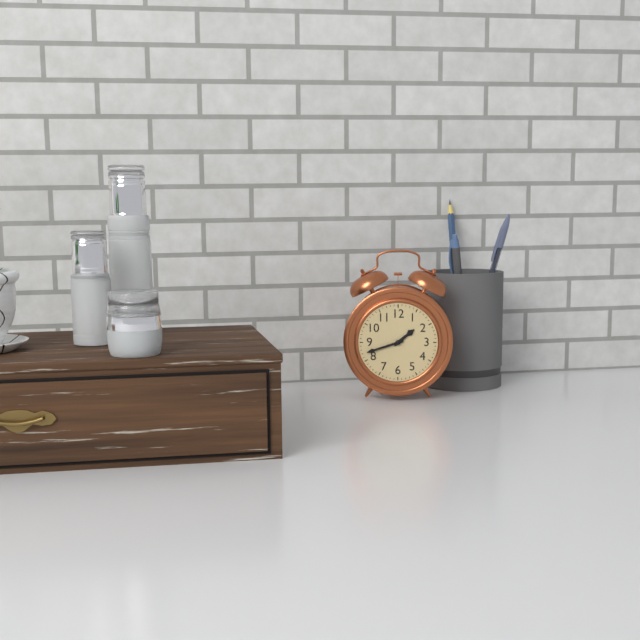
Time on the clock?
1:42
